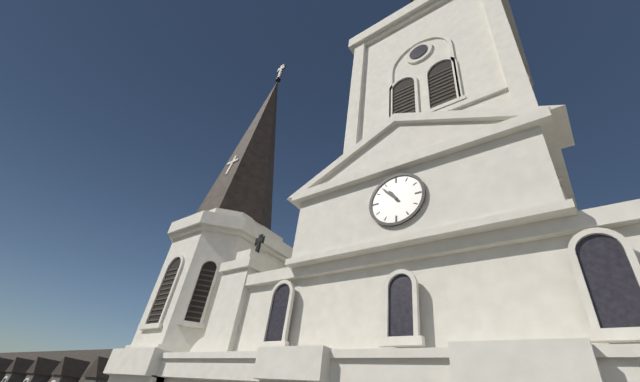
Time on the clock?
10:53
